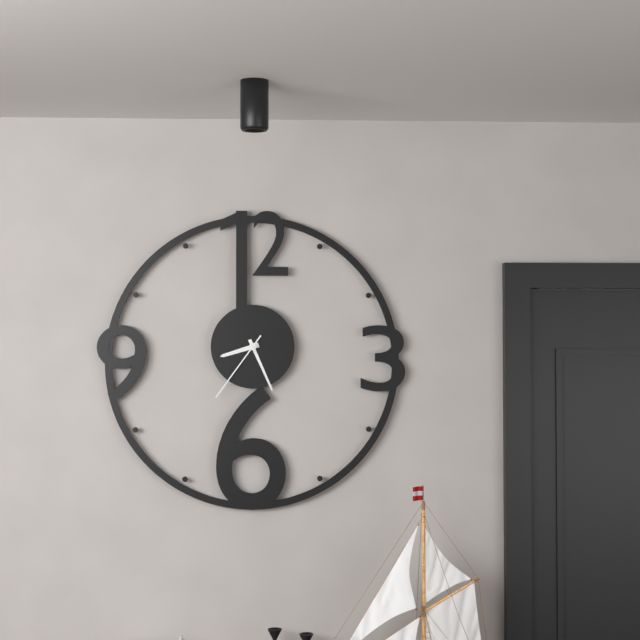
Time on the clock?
8:26:36
